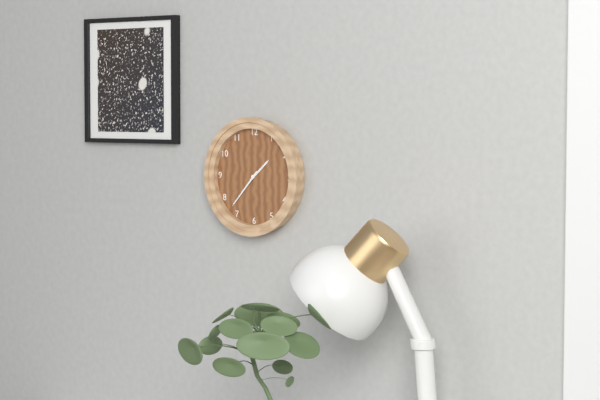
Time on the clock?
1:37
